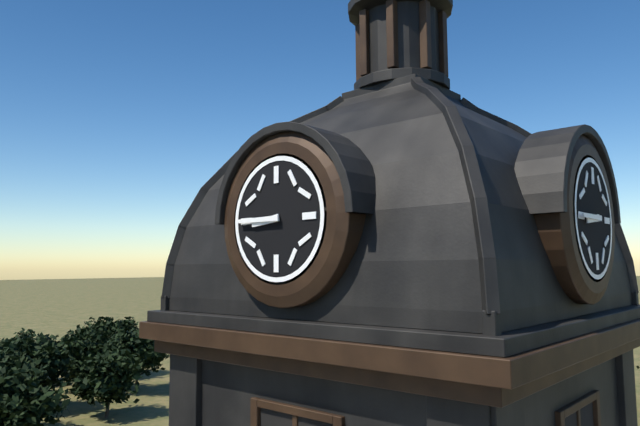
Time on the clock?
8:45
